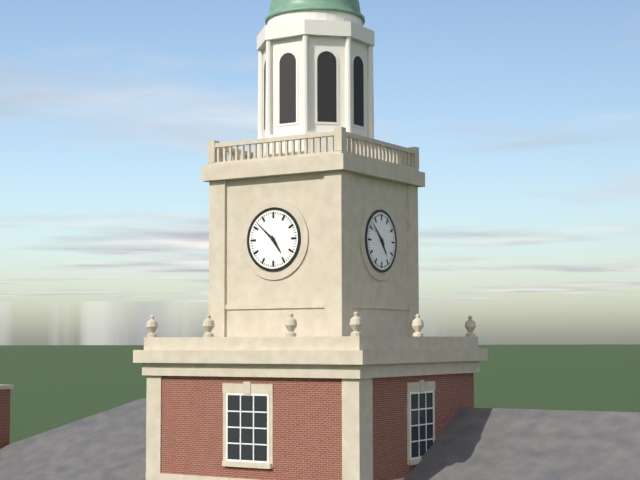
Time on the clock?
4:52
